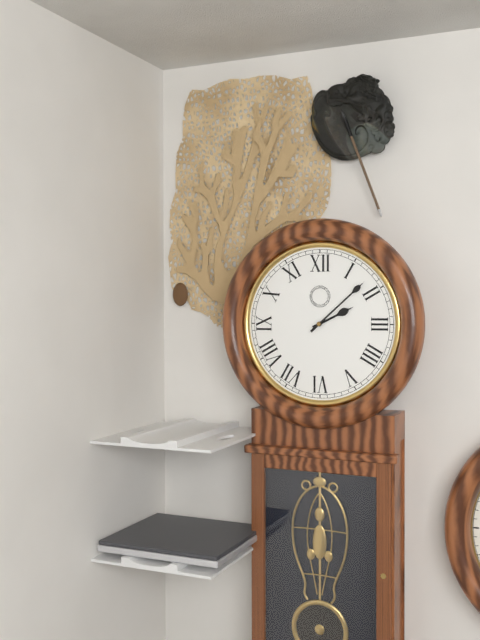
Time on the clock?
2:08
